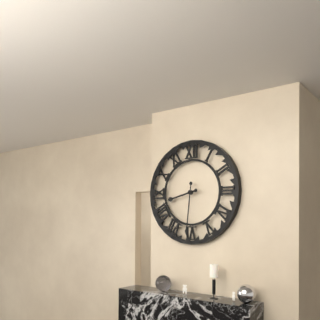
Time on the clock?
8:31
